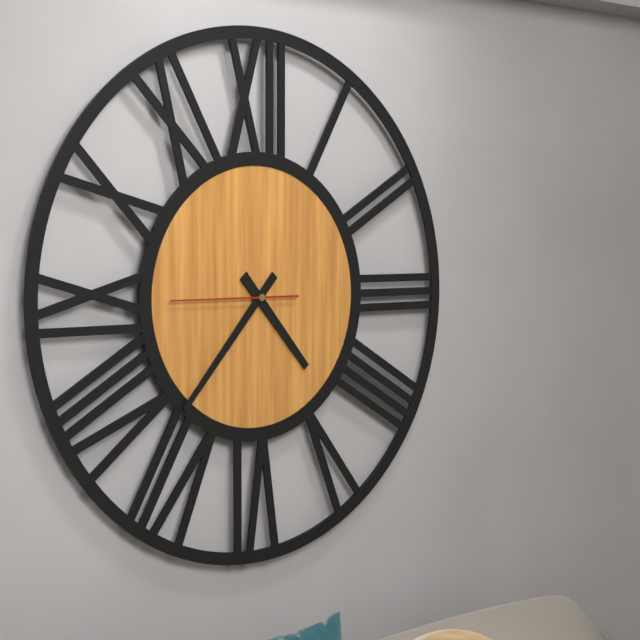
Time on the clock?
4:37:45
